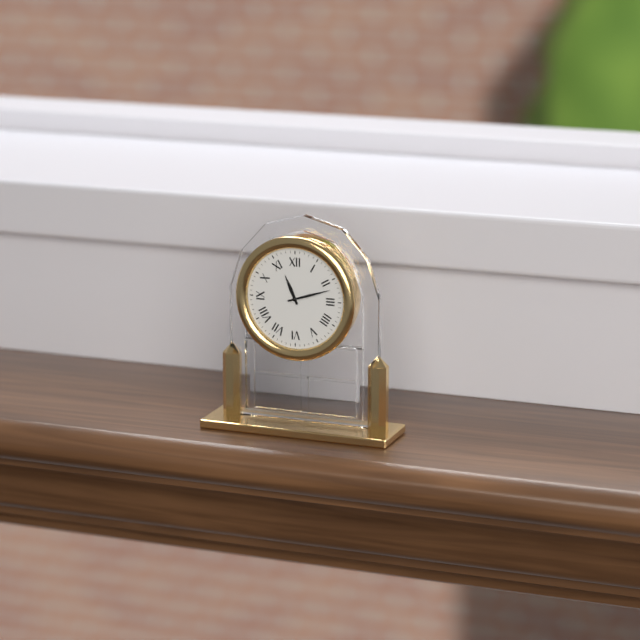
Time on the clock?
11:12
